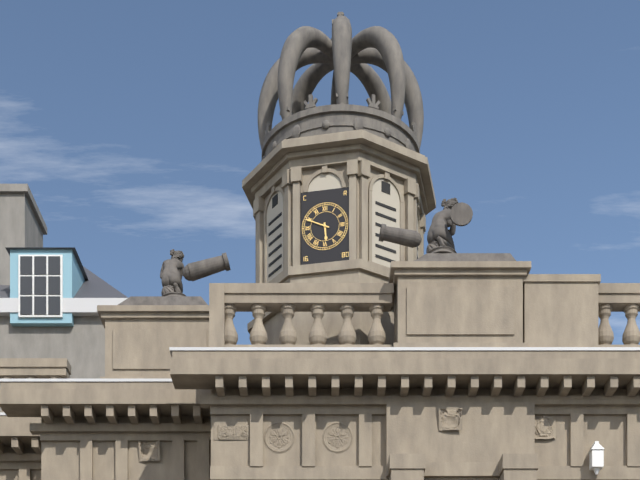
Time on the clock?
5:49
